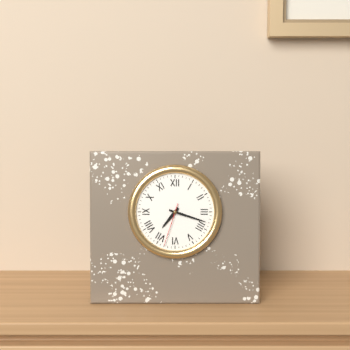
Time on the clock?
7:18
